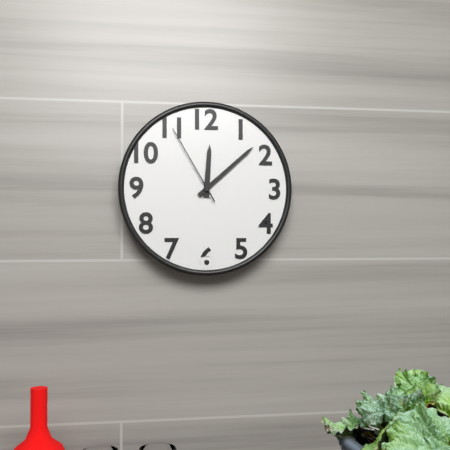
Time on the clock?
12:08:55
